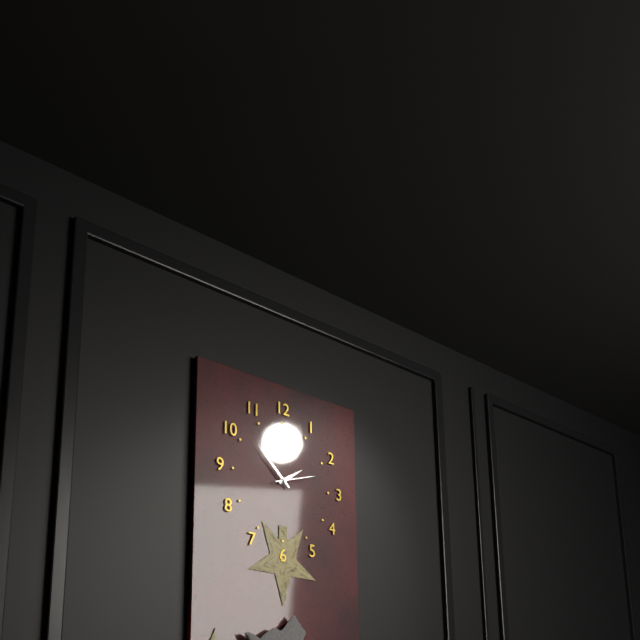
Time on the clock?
1:52
